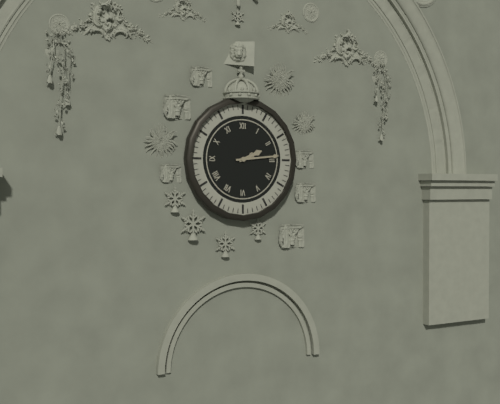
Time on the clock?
2:14
